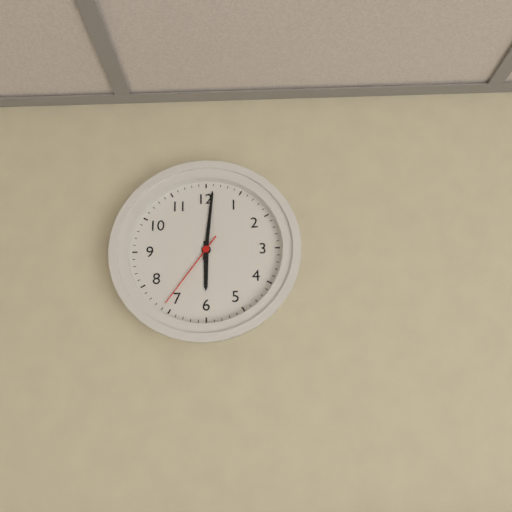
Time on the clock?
6:01:36
